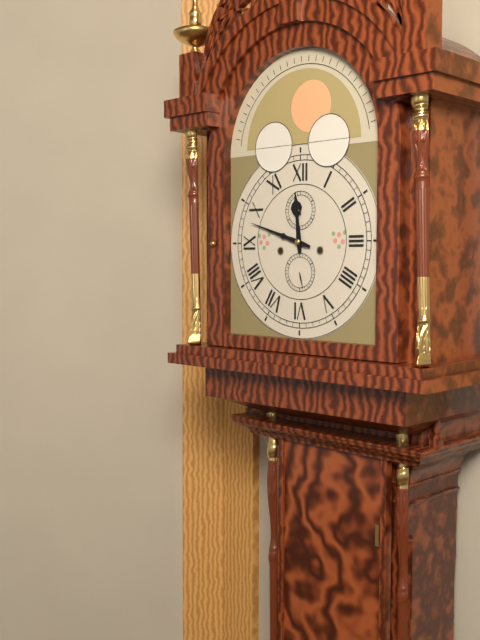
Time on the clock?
11:48
